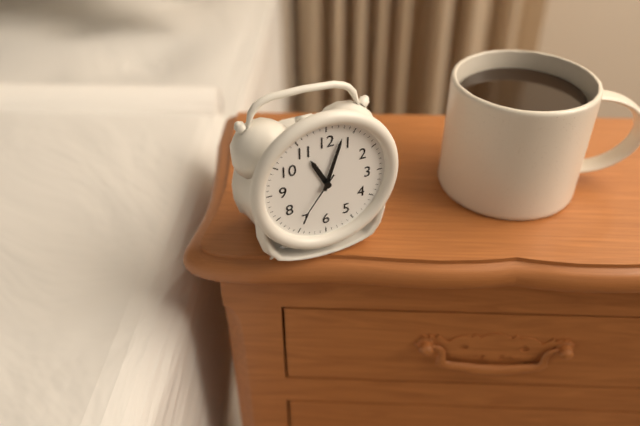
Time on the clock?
11:03:36
